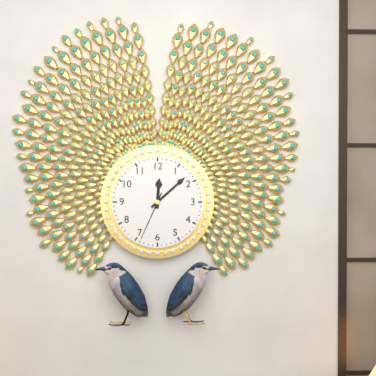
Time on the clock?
12:08:34
